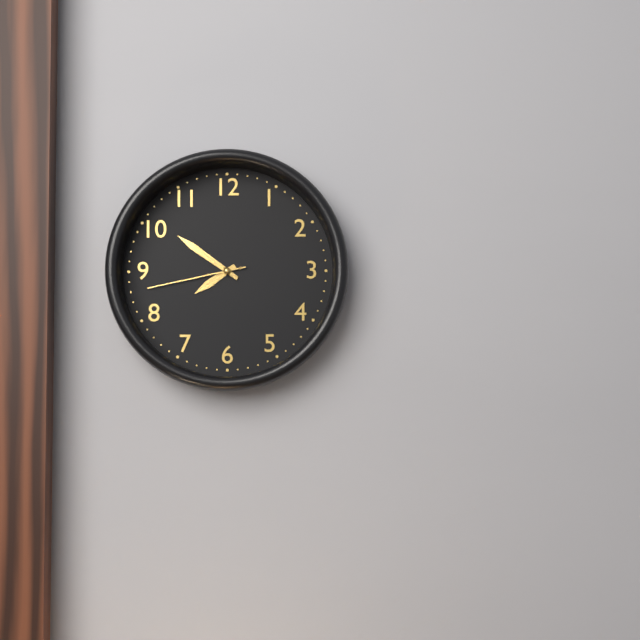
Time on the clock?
7:51:43
